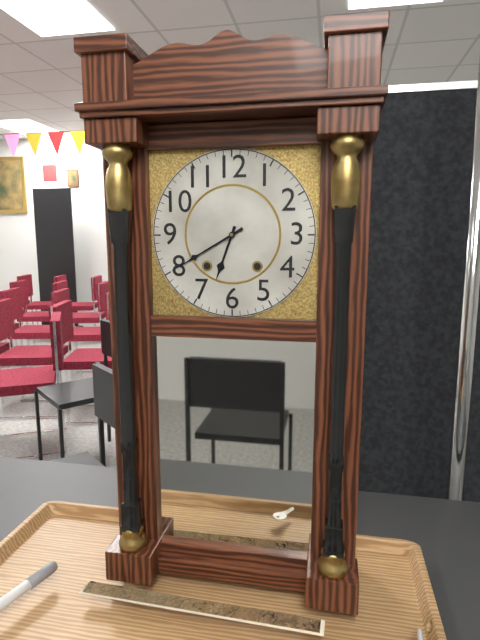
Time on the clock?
6:40
